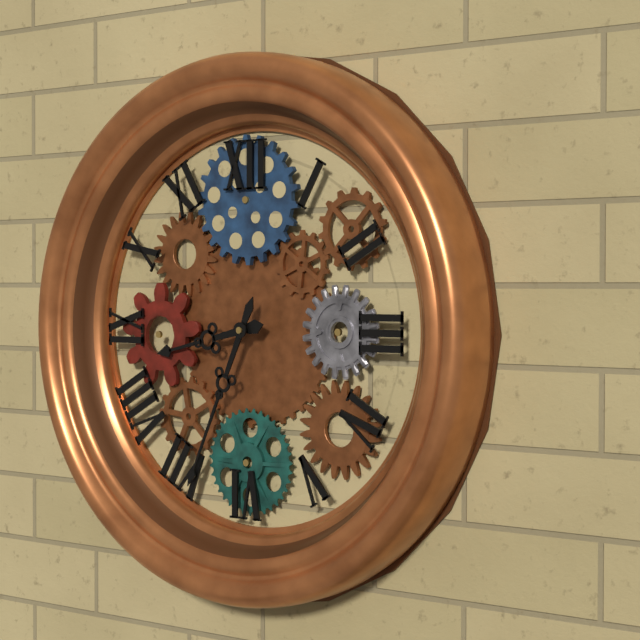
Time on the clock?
8:34
